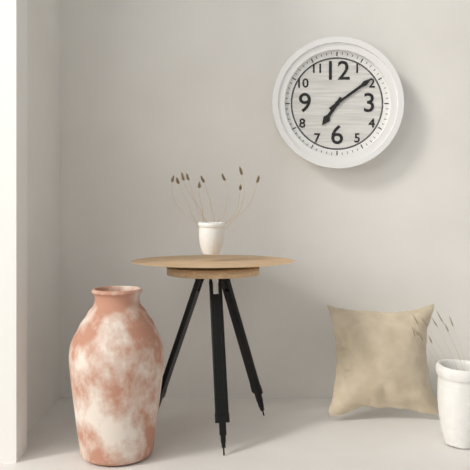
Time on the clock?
7:09
